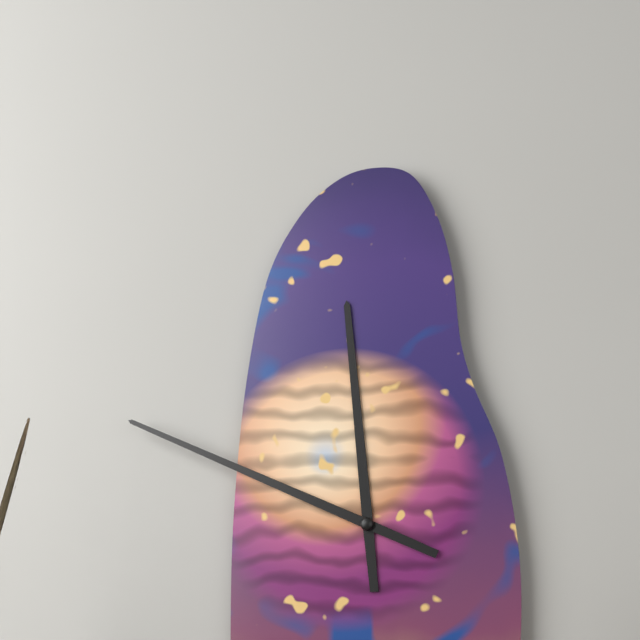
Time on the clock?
11:49
